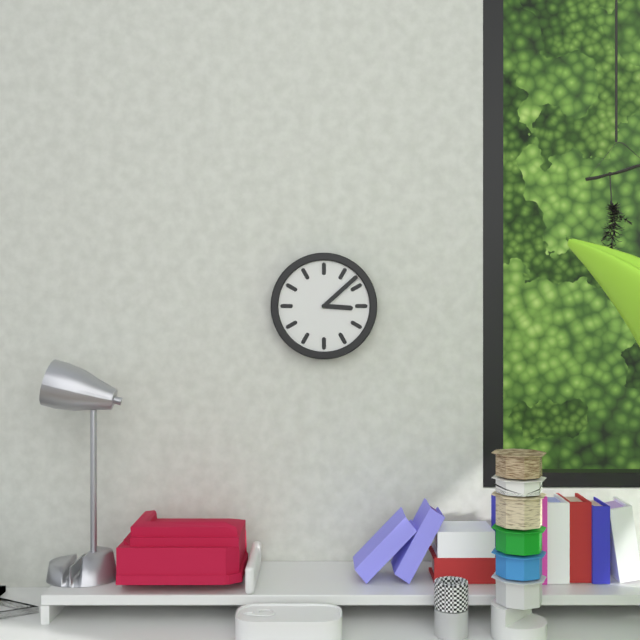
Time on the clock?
3:08
